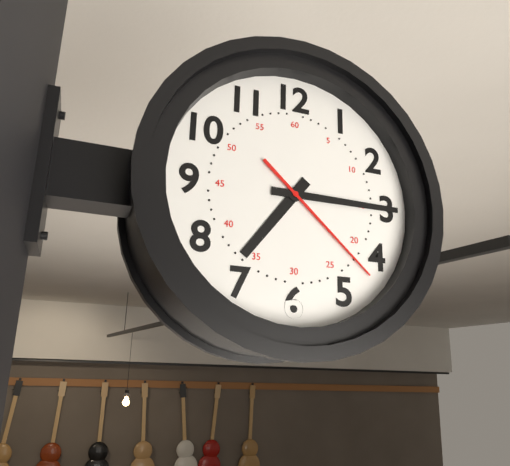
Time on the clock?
7:15:22
